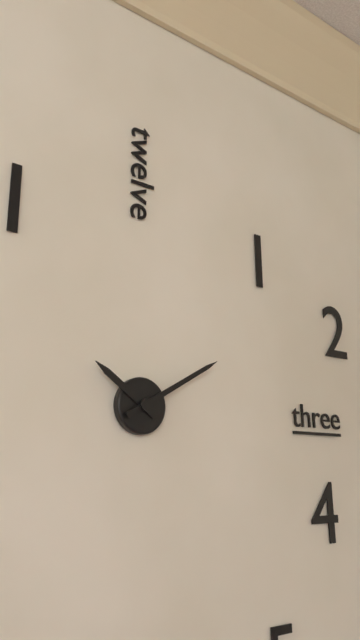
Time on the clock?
10:10
